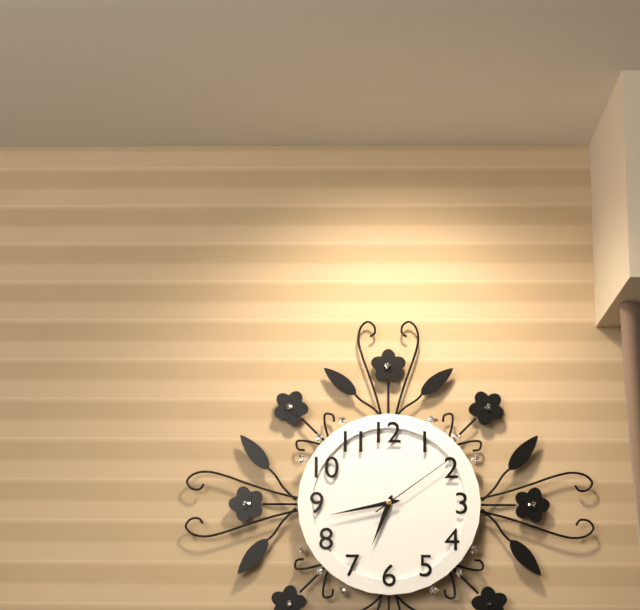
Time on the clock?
6:43:09
